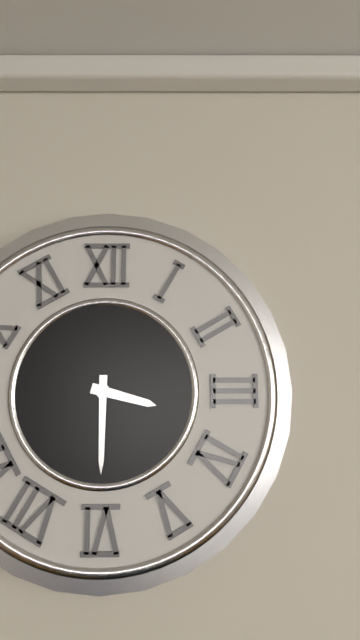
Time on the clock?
3:30
